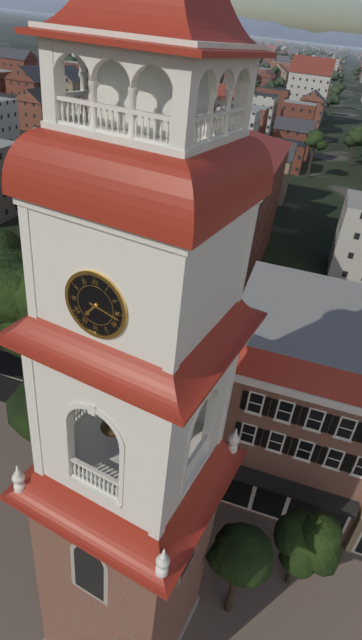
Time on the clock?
7:17
